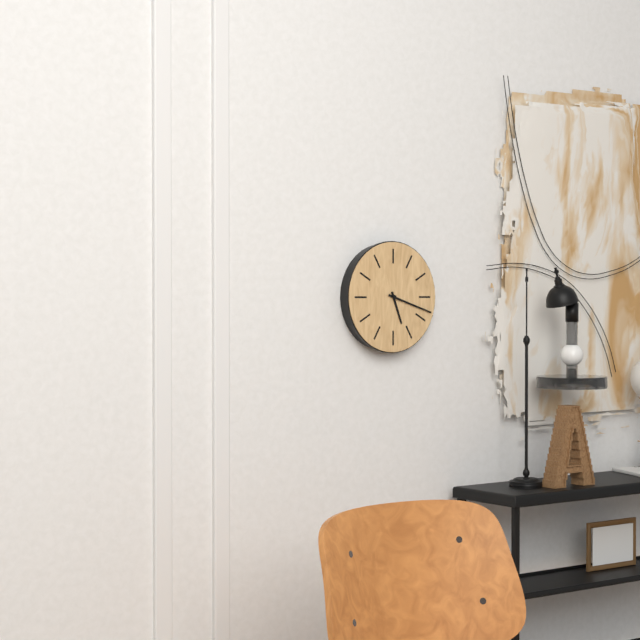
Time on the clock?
5:18
